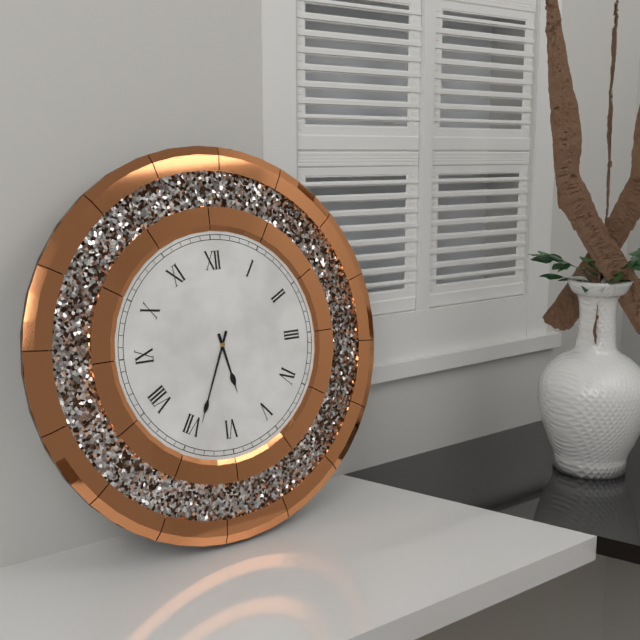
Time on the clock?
5:34
